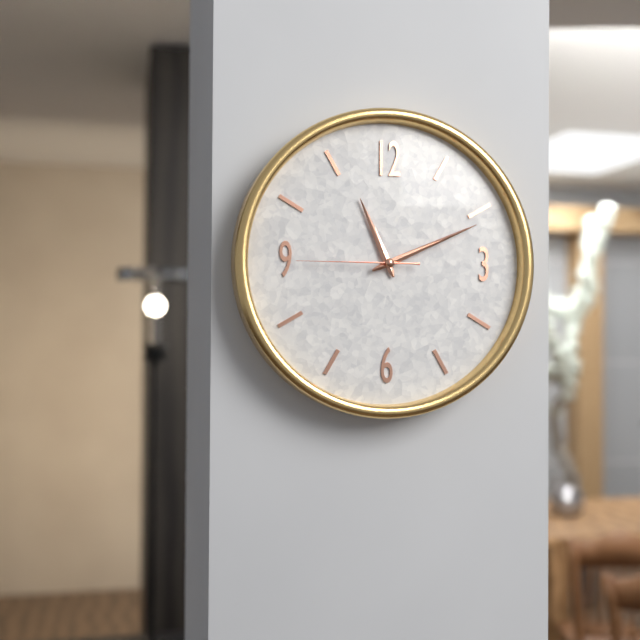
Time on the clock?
11:11:45
